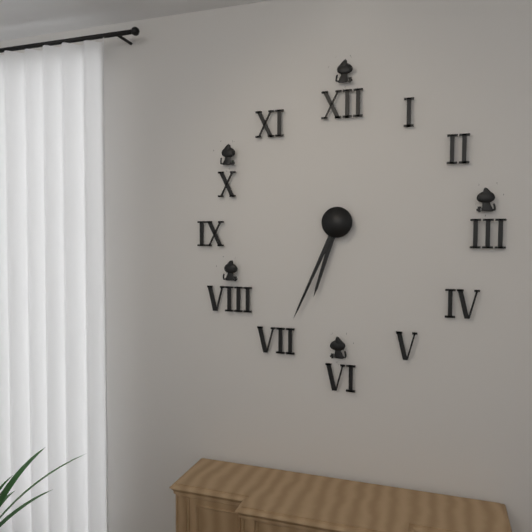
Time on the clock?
6:34
